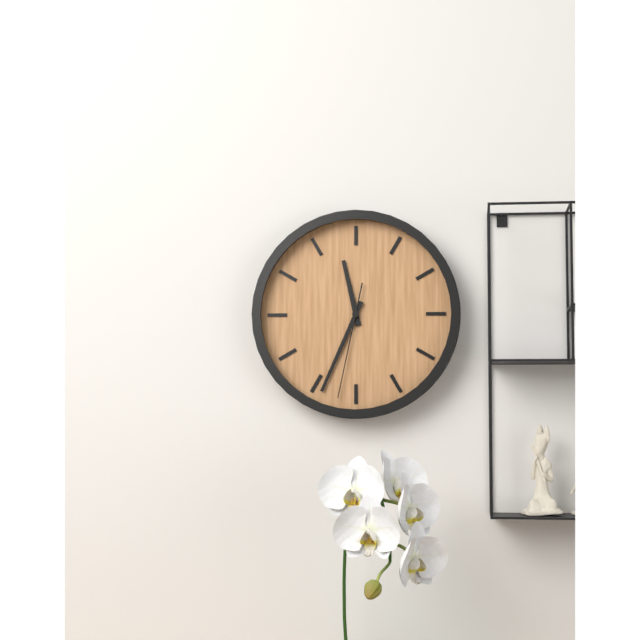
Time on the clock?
11:34:32
